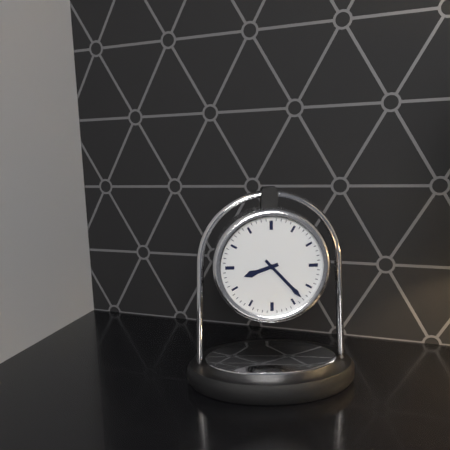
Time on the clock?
8:23
